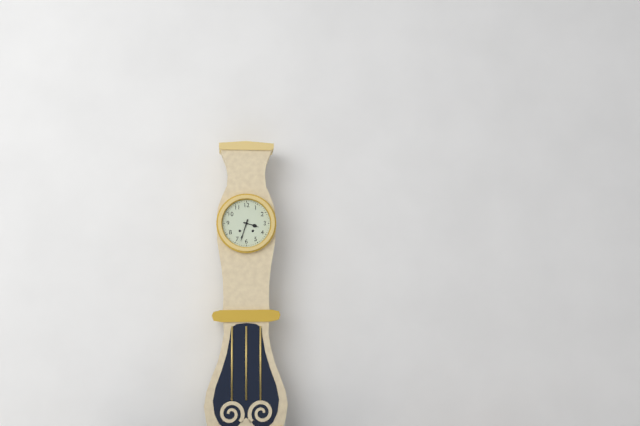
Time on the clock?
3:33
